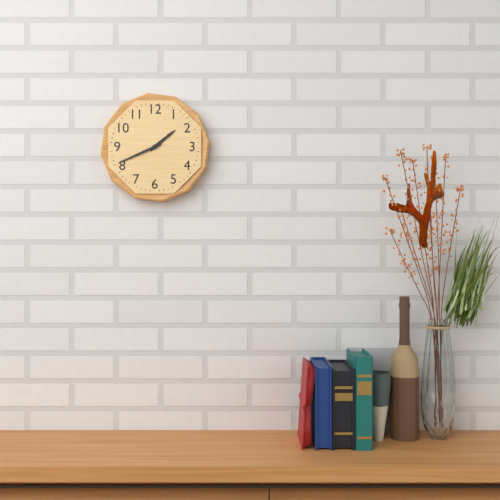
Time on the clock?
1:41
